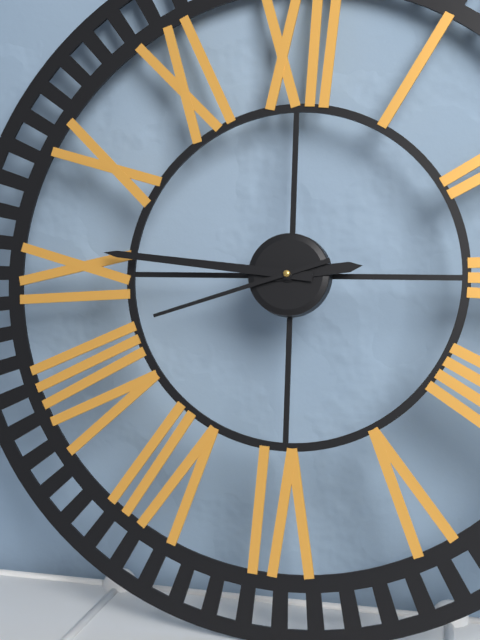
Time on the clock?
2:46:42
